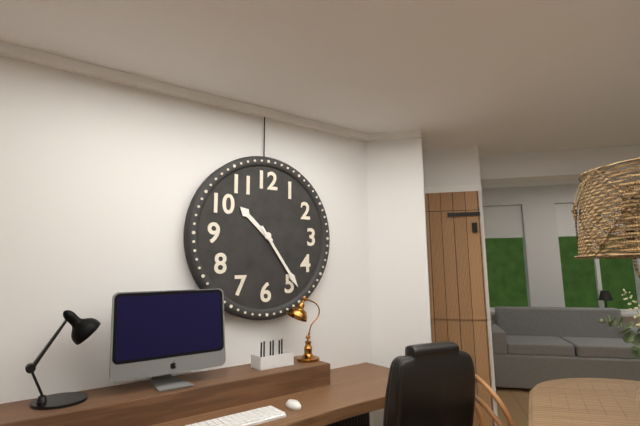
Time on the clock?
10:24
